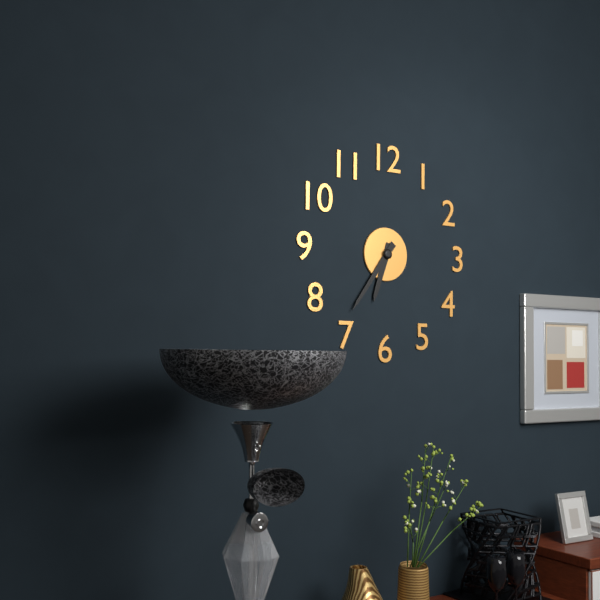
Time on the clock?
6:36
